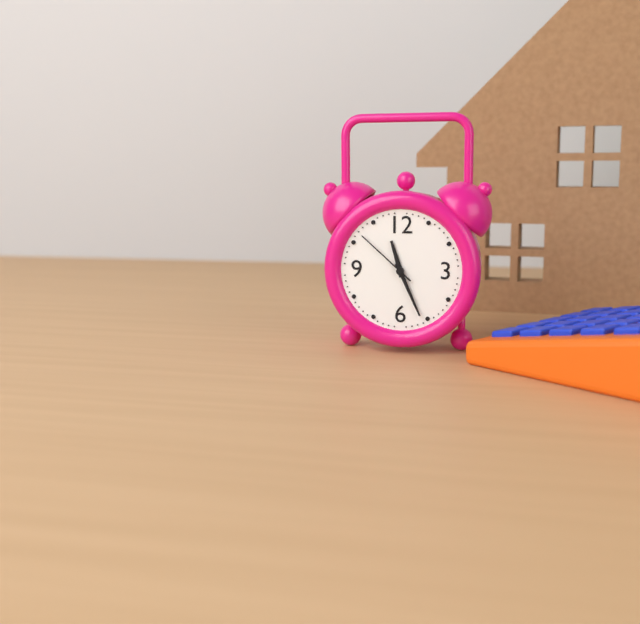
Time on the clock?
11:26:52
